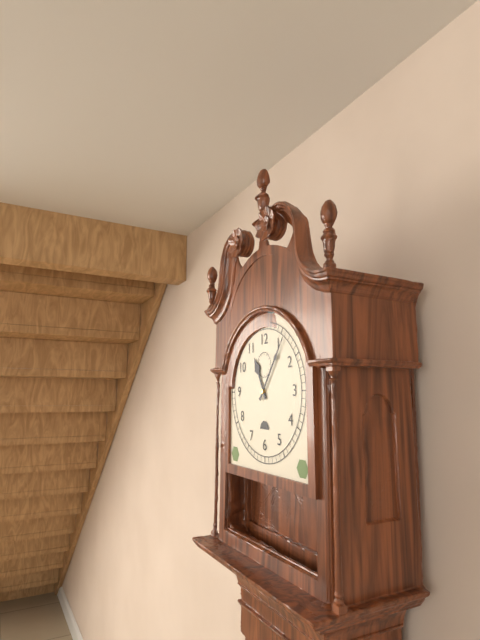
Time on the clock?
11:06
